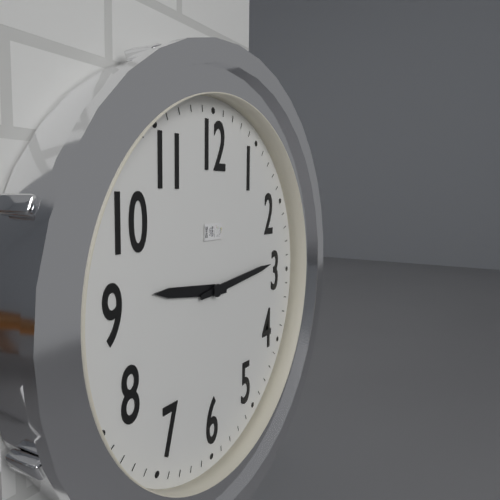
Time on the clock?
9:14
